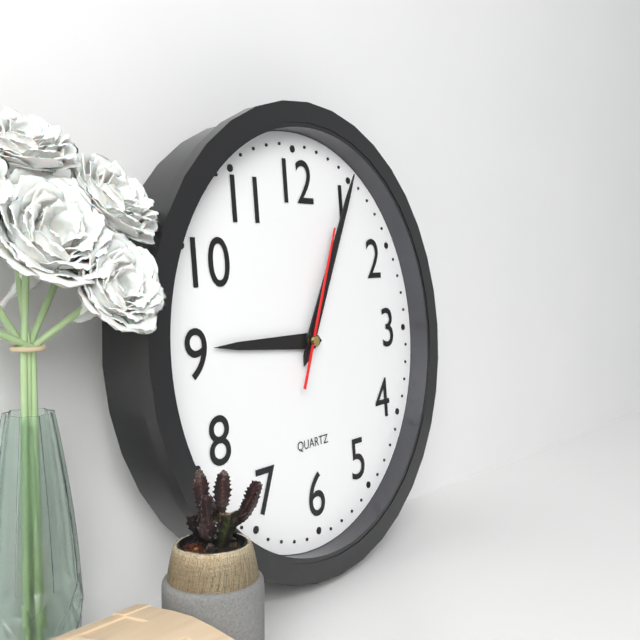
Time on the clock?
9:05:04
